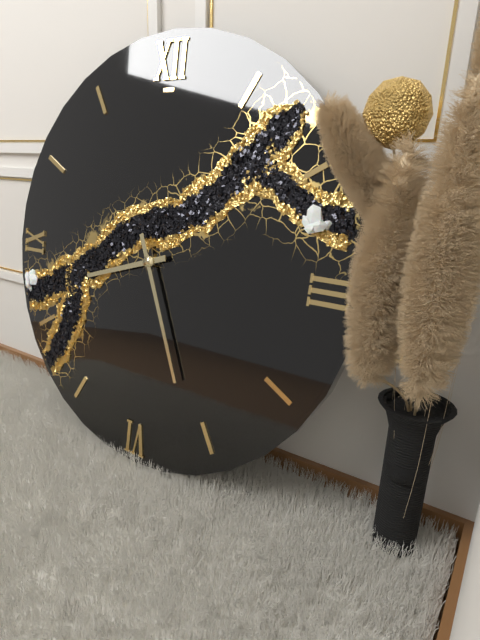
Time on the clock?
8:26
